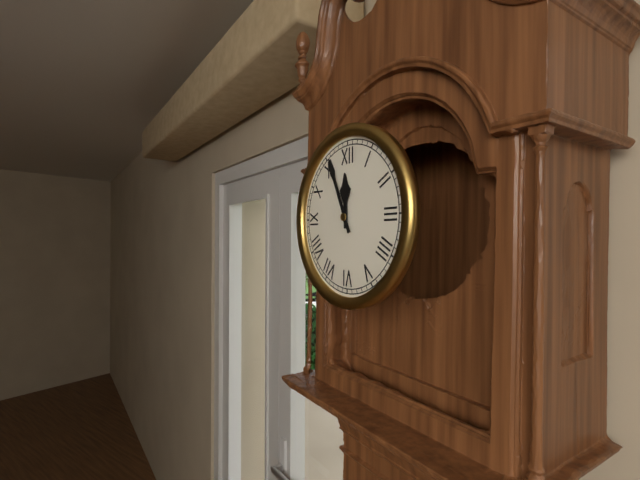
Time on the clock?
11:56
